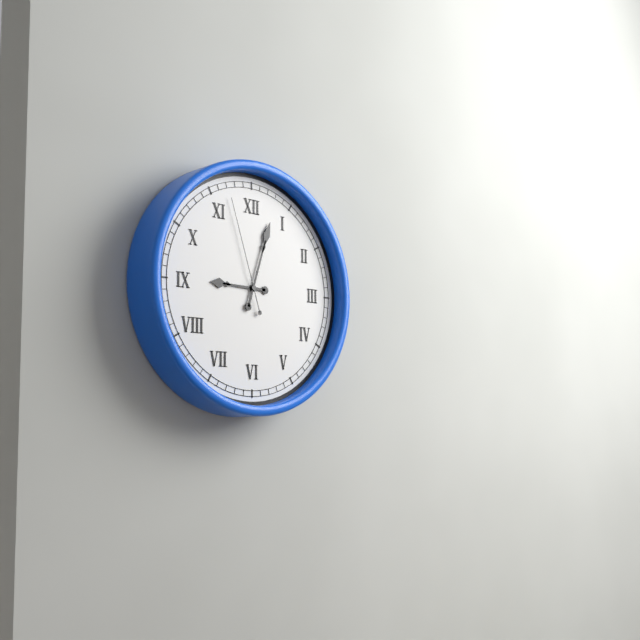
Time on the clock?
9:03:57
